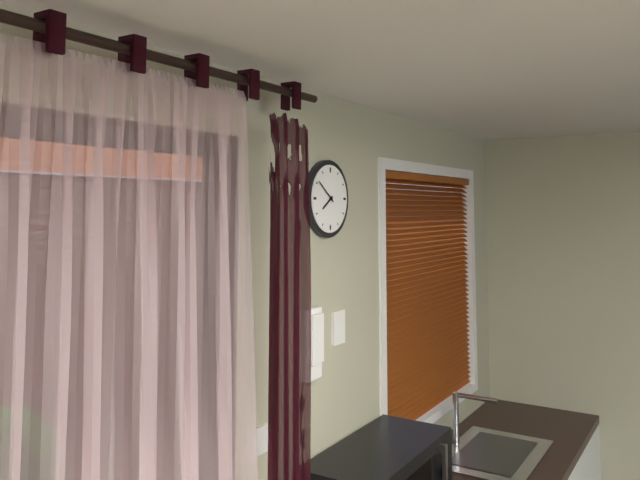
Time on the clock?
7:51
